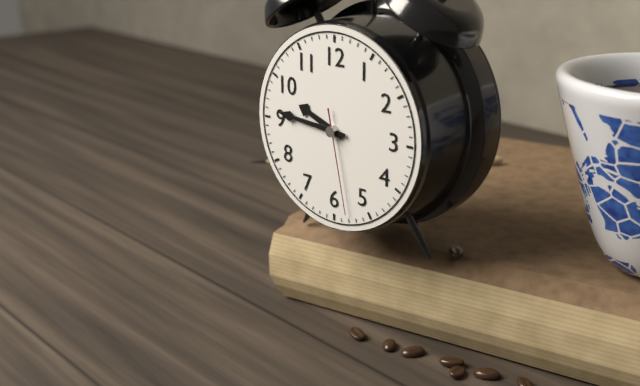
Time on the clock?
9:46:28
